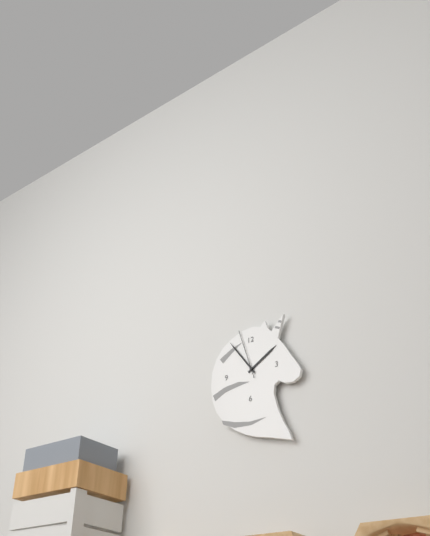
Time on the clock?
1:54:57
